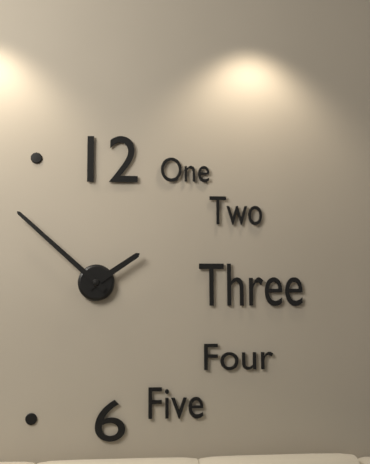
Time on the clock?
1:52
